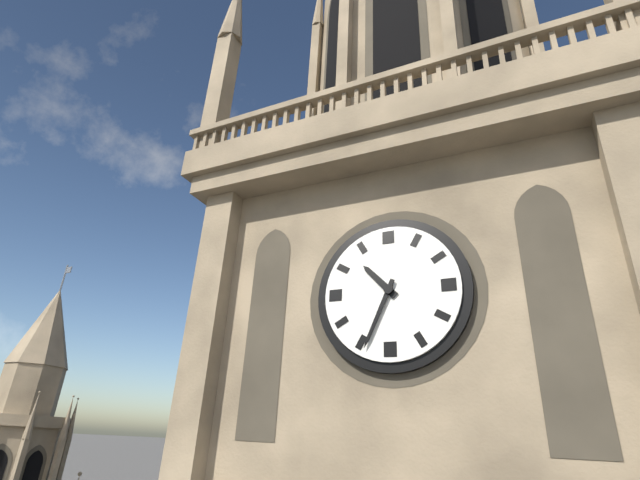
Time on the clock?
10:34
